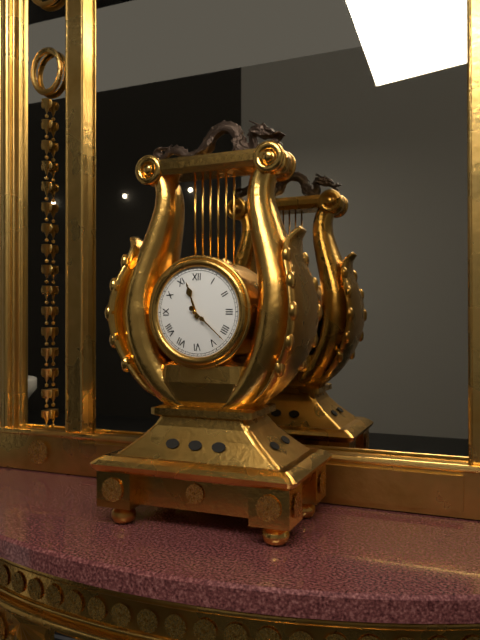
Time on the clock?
11:22
